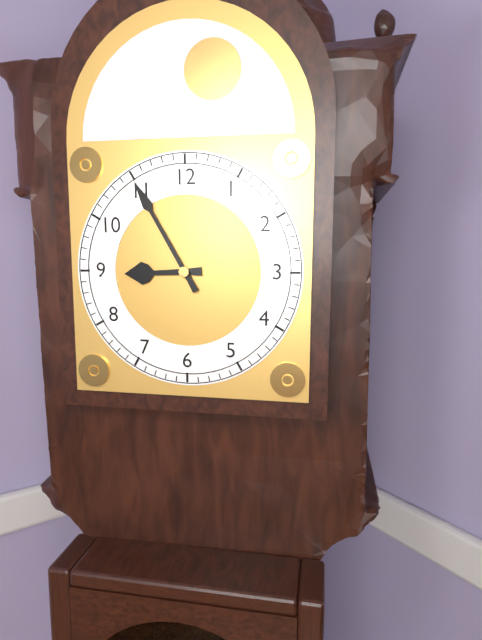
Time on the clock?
8:55
